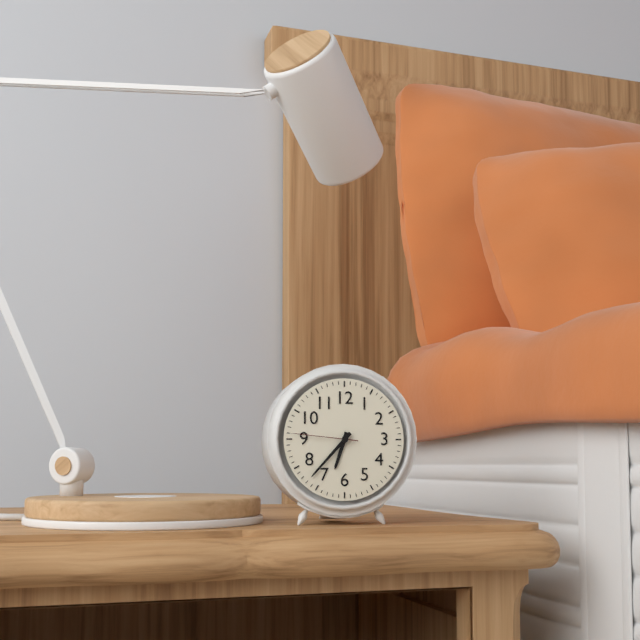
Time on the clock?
6:37:46
